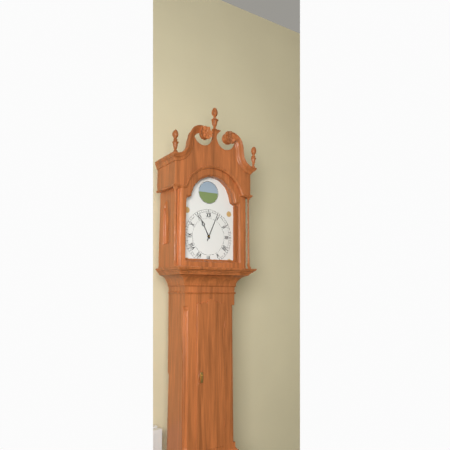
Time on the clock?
11:04
